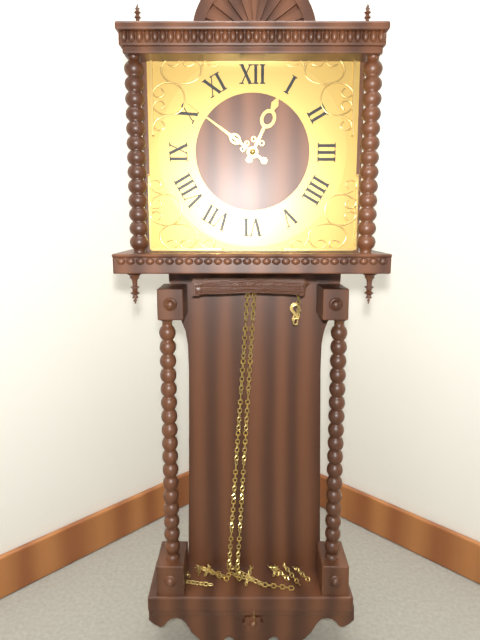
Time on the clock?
12:51
